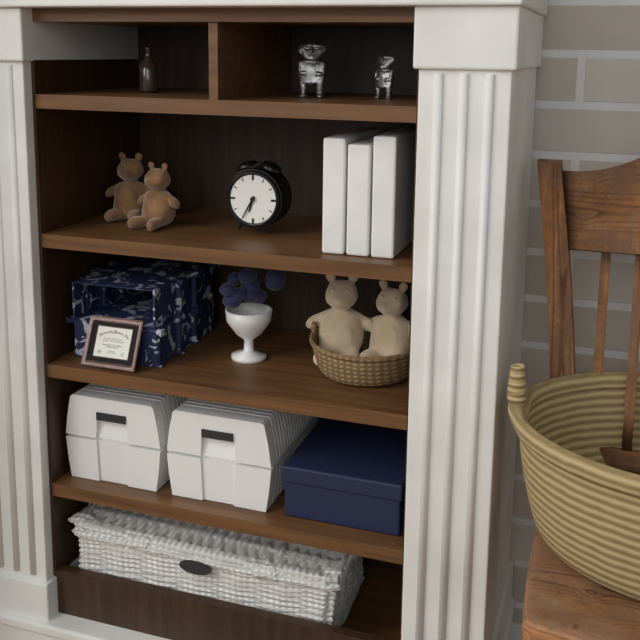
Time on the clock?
6:35
